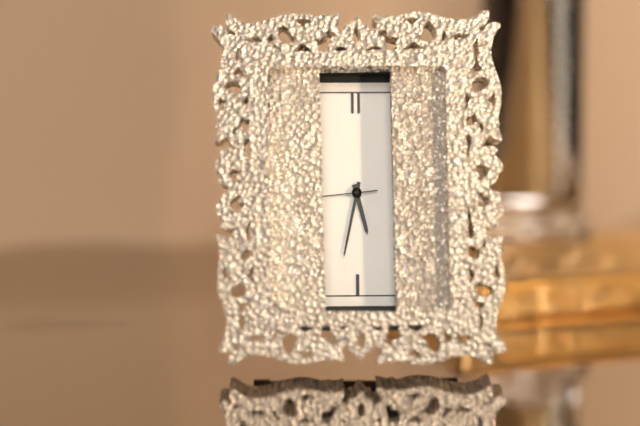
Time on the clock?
5:32:44
